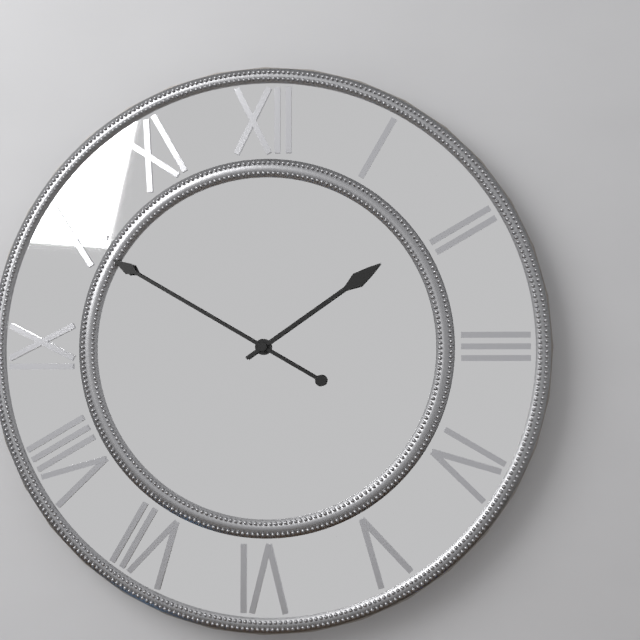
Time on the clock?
1:50
